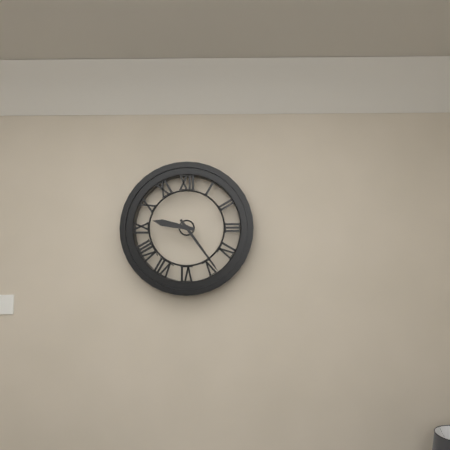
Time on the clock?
9:24
